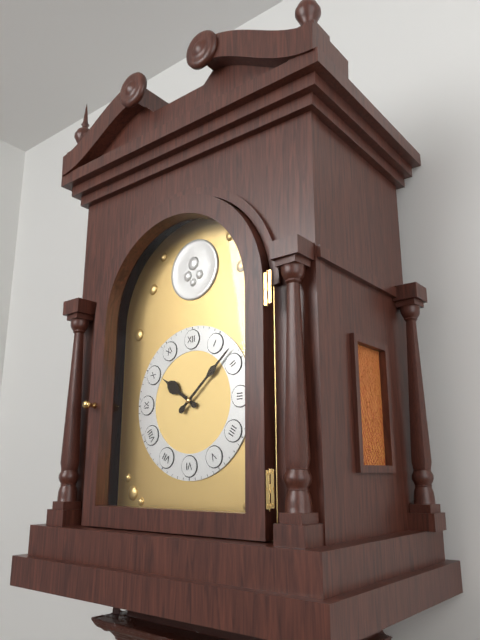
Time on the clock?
10:08
